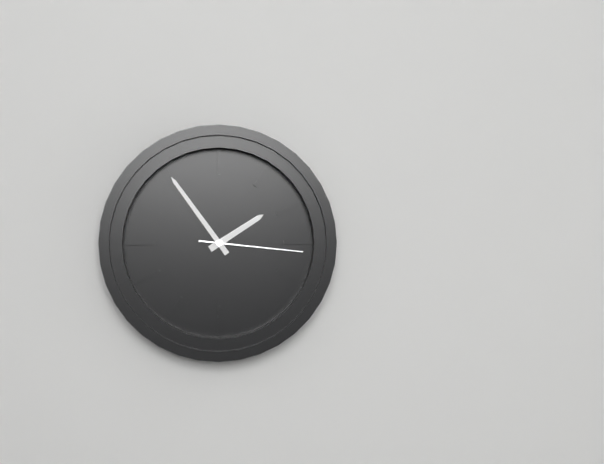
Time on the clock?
1:54:16
